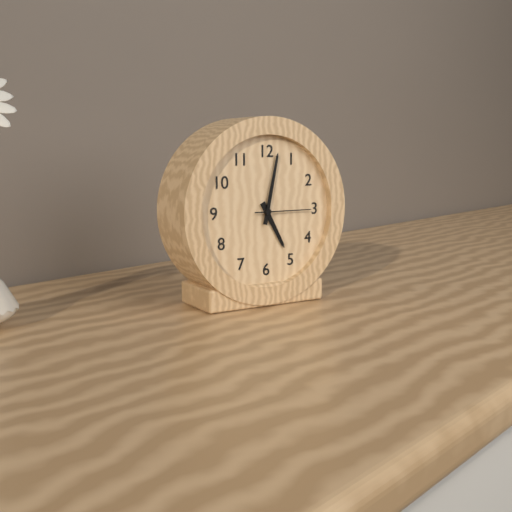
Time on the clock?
5:02:15
